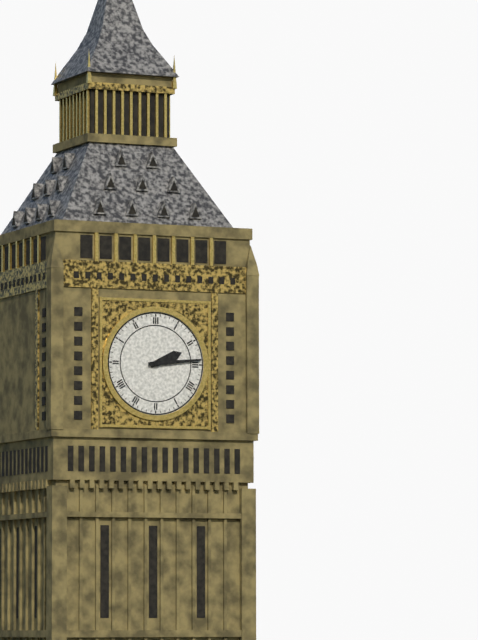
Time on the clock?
2:14
